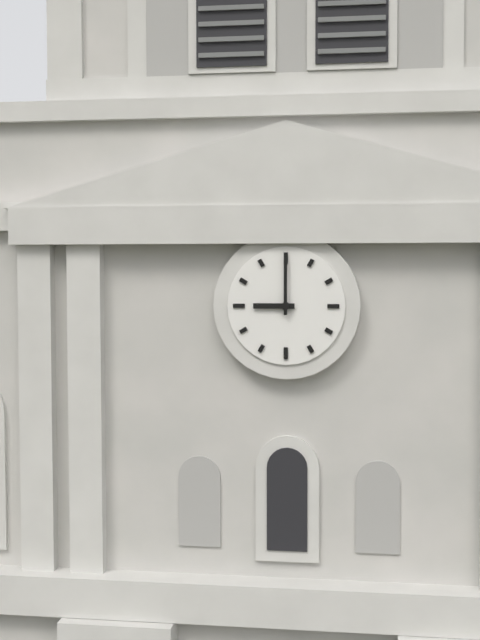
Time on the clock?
9:00
